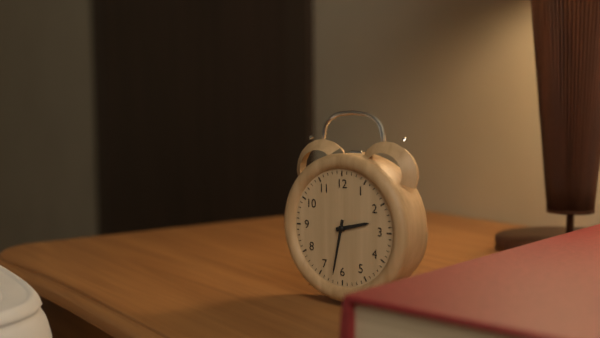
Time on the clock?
2:32
